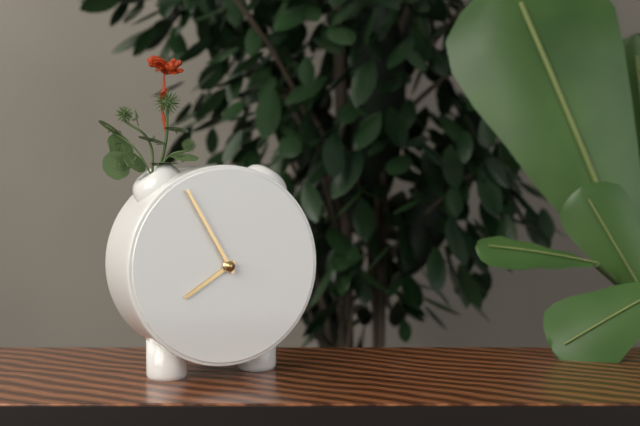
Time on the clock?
7:55
